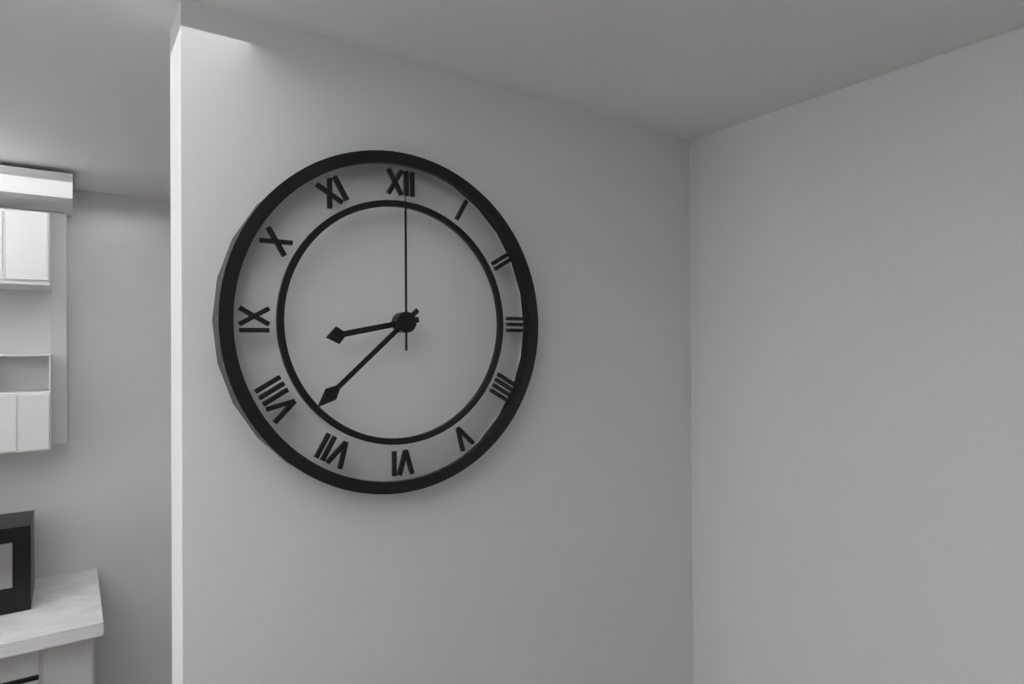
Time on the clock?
8:38:00
